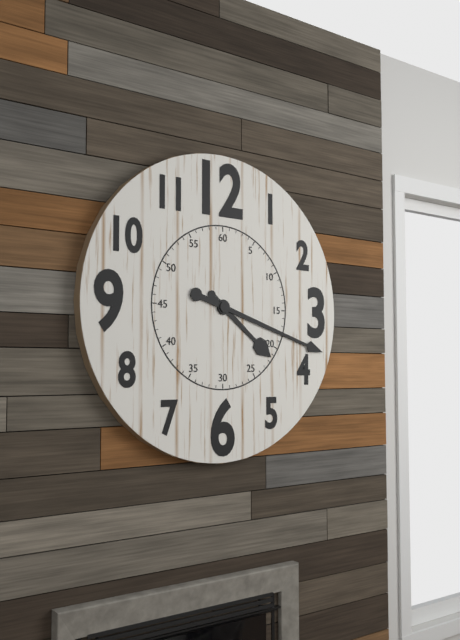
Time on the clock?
4:18
